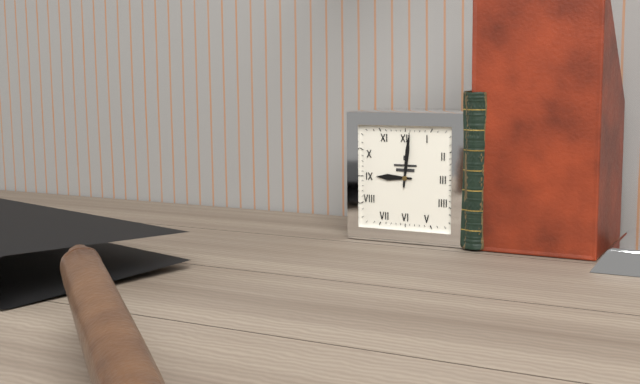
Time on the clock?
9:01
